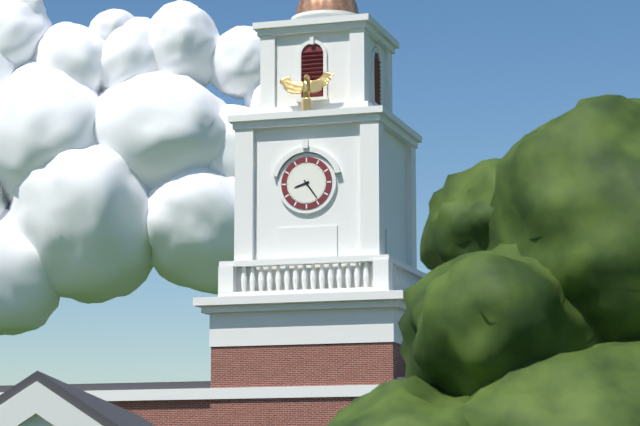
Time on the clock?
8:24
